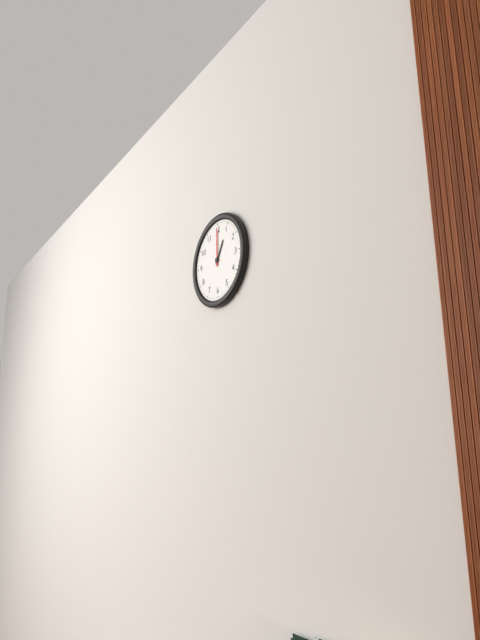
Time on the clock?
1:00
